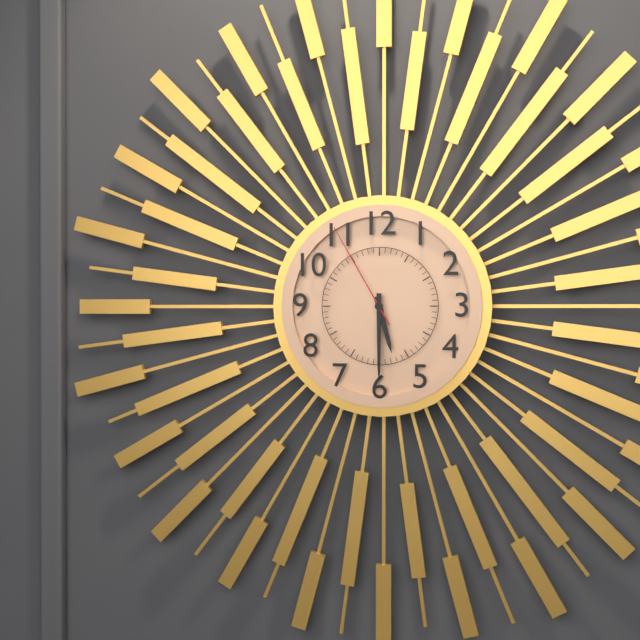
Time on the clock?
5:30:55
